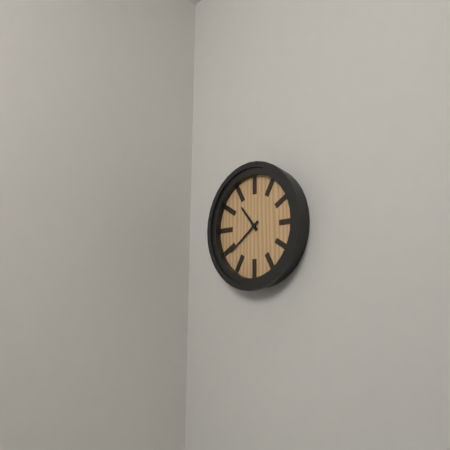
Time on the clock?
10:39
